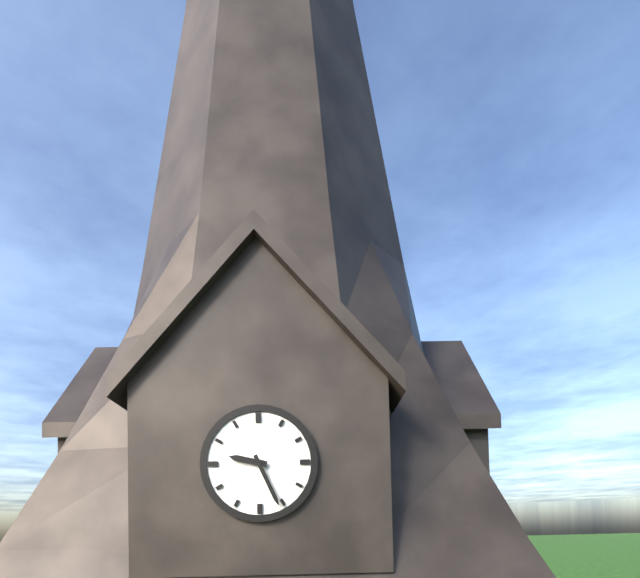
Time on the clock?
9:26
